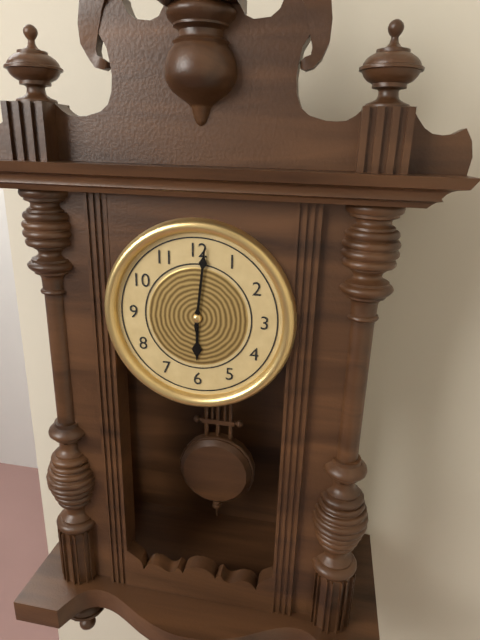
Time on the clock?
6:01
